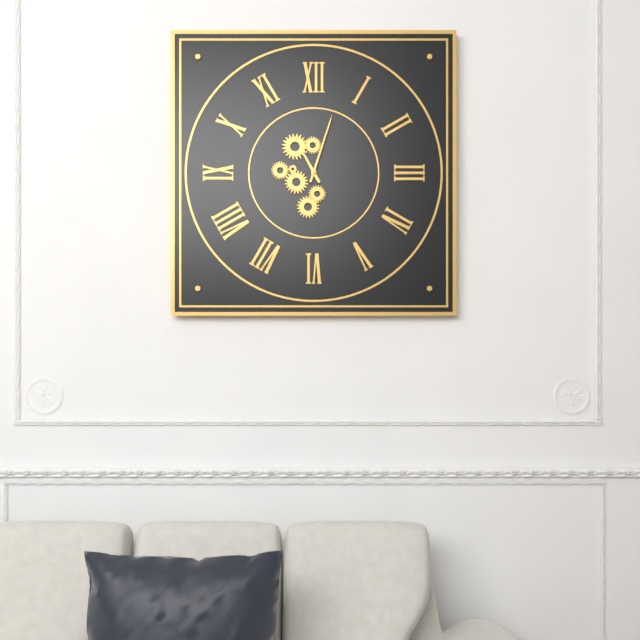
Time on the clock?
11:03
